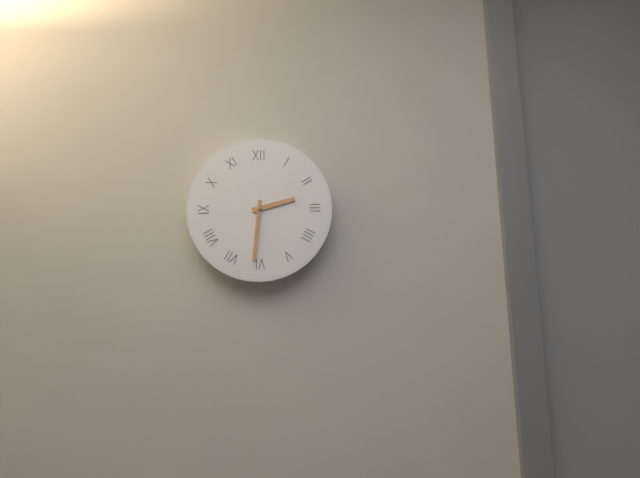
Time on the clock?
2:31
